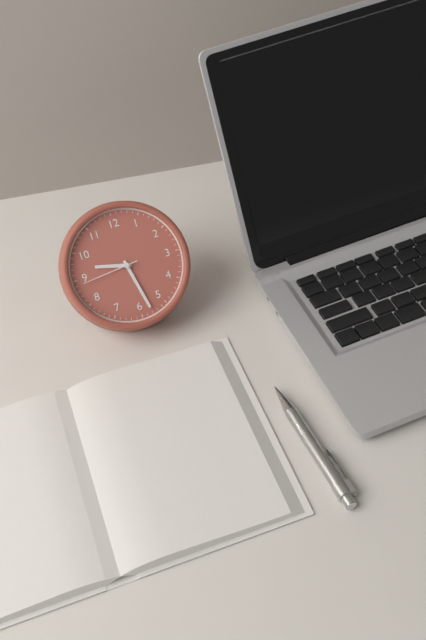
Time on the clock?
9:28:44
